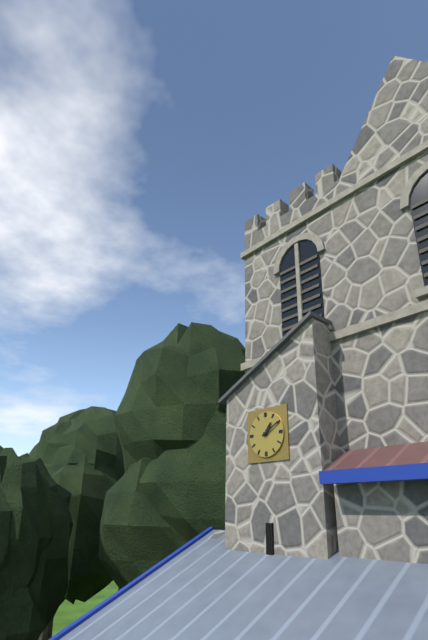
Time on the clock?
1:10
